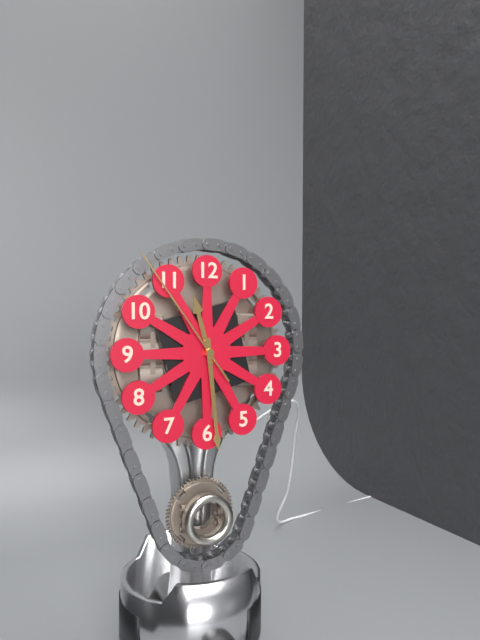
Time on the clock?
11:29:54
